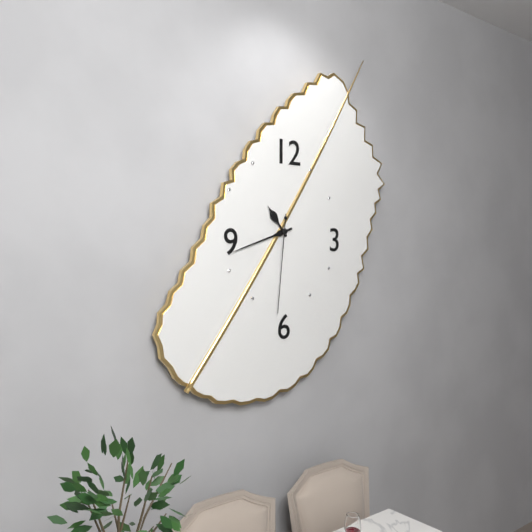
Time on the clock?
10:42:31
